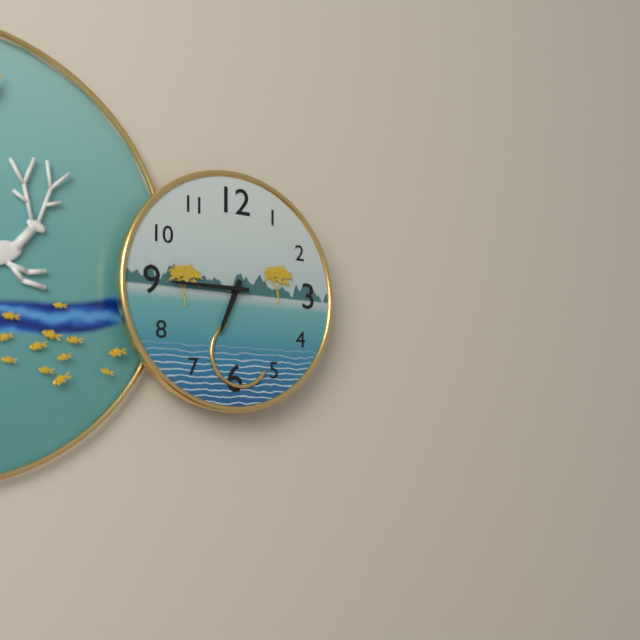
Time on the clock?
6:45
